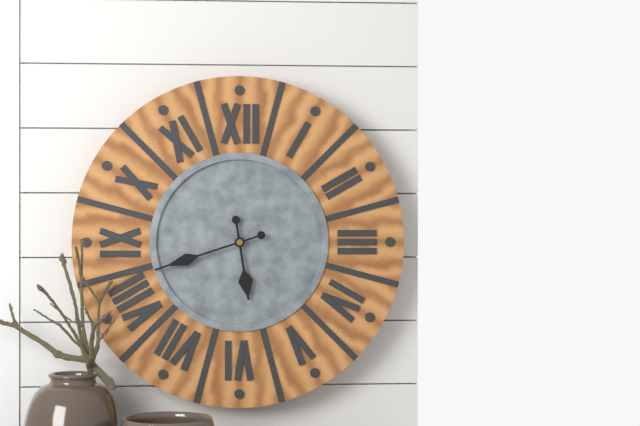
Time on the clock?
5:42
